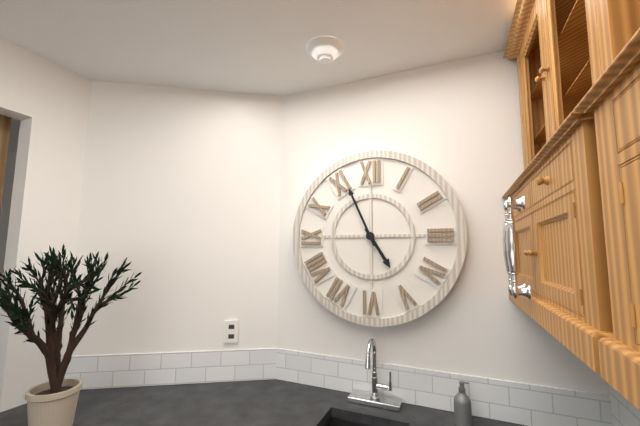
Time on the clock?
4:56
